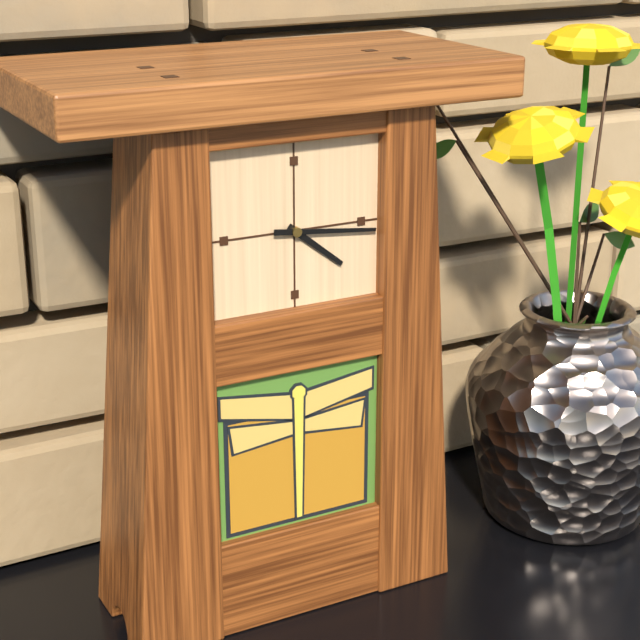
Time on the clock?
4:16
